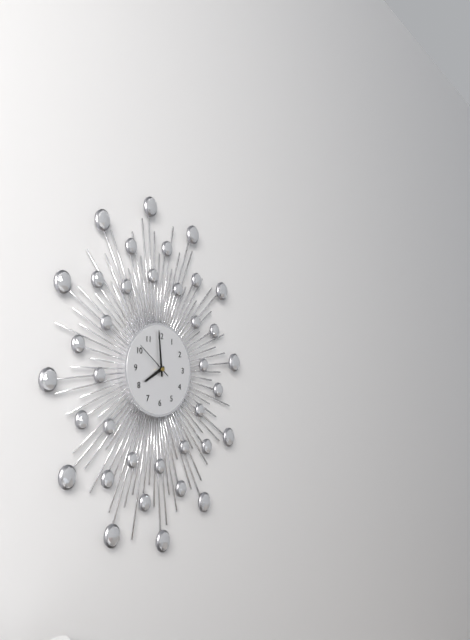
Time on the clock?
7:59
